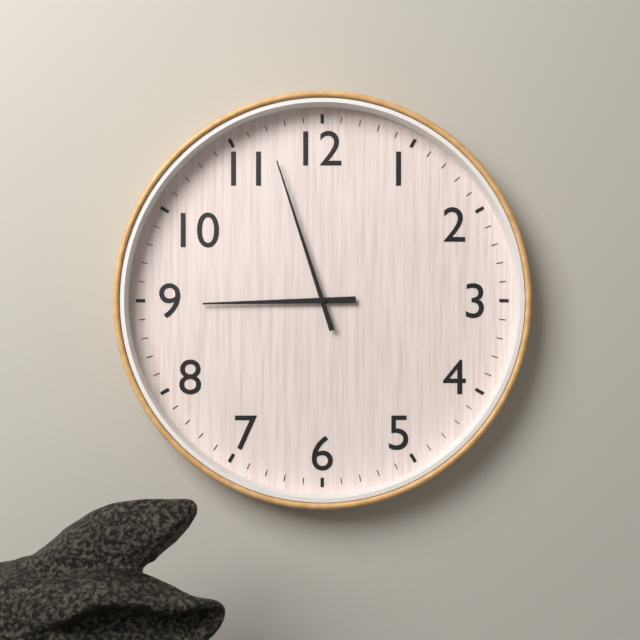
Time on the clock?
8:57
